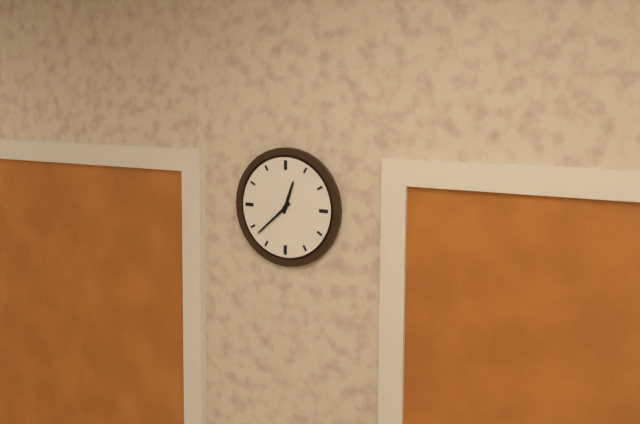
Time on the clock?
12:38
